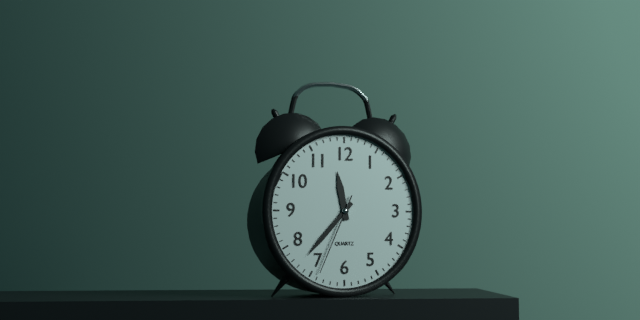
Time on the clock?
11:37:34
